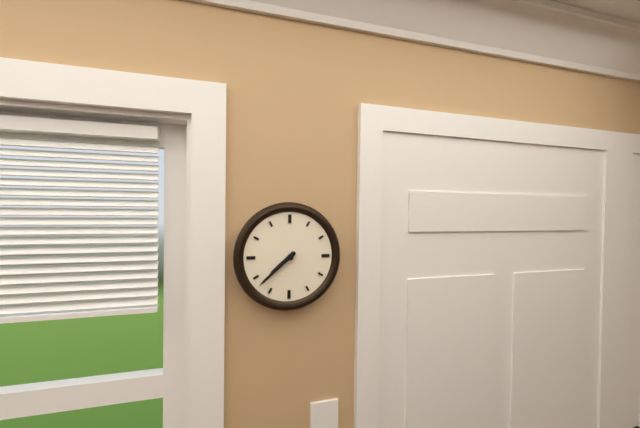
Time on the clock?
7:38
